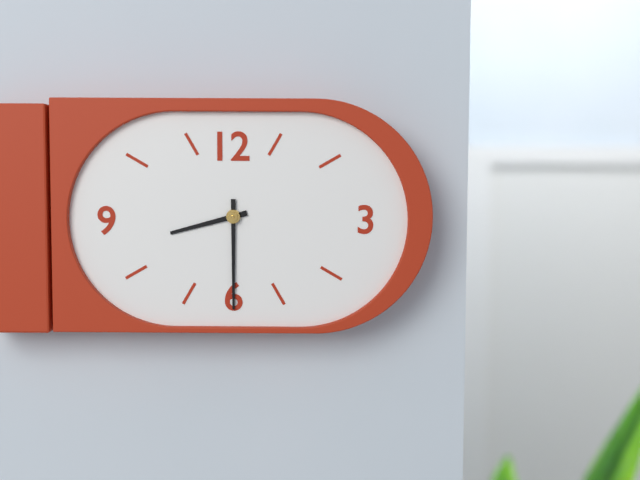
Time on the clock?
8:30
